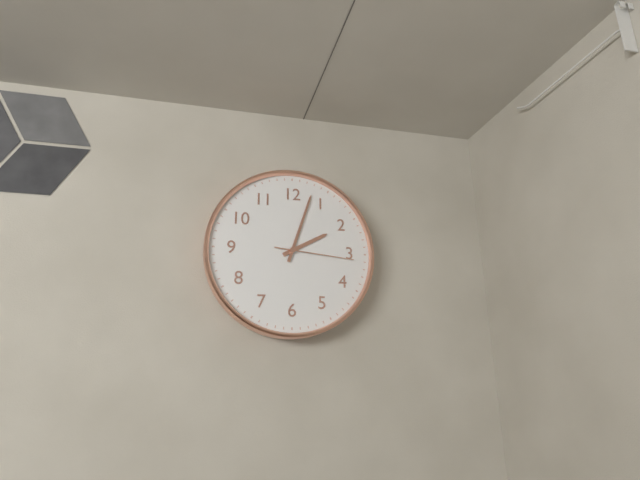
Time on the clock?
2:03:16
